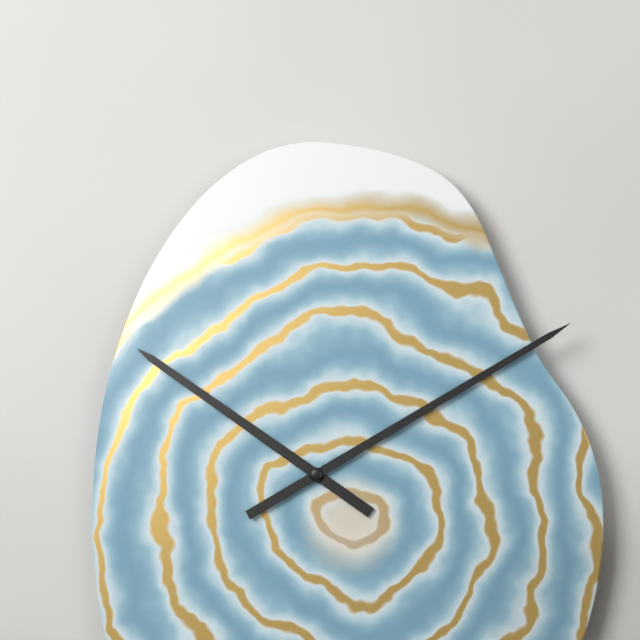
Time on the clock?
10:10
